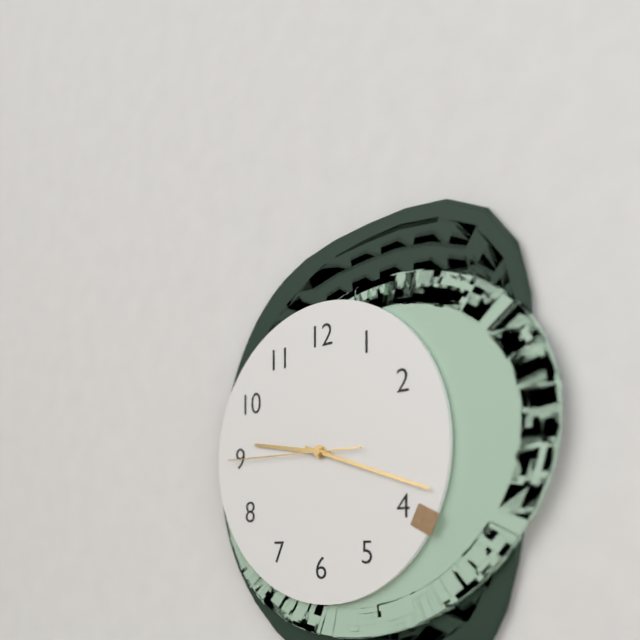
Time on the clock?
9:18:45
